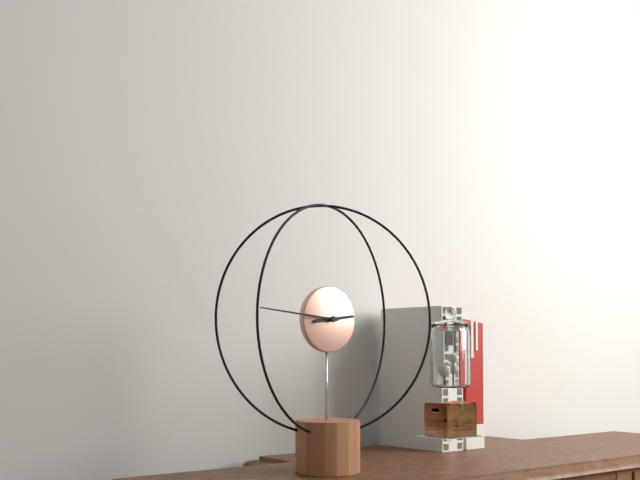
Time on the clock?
2:46
